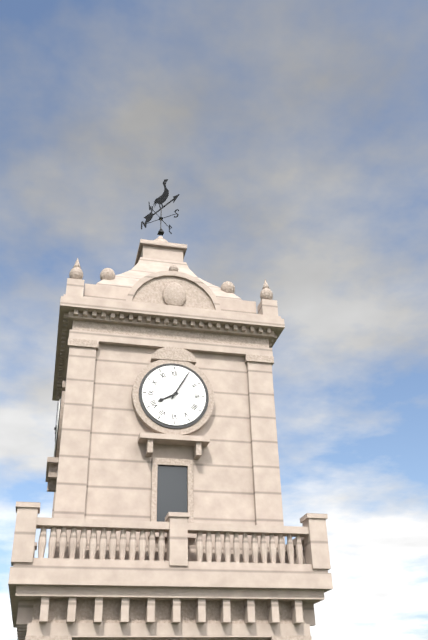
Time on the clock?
8:05
